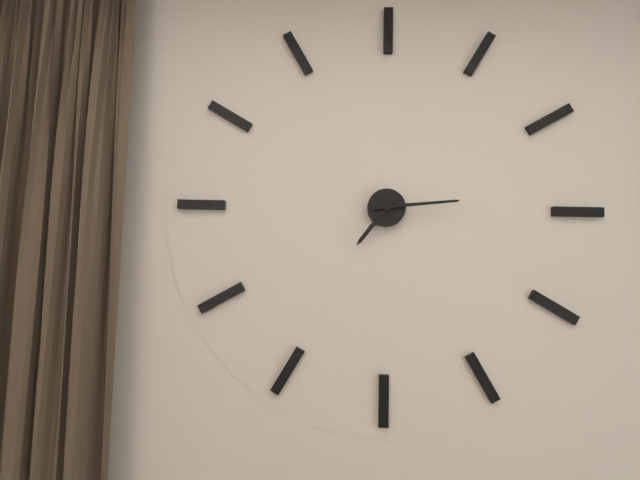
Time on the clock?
7:14
